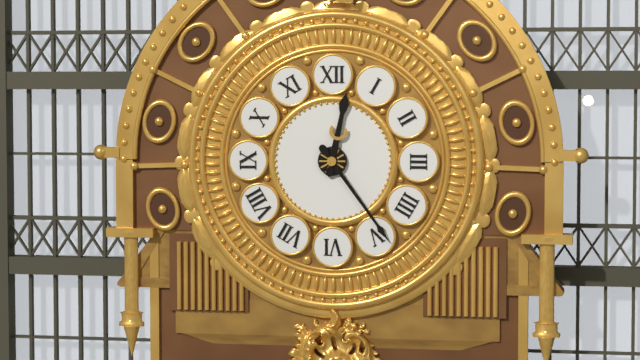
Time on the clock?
12:24
